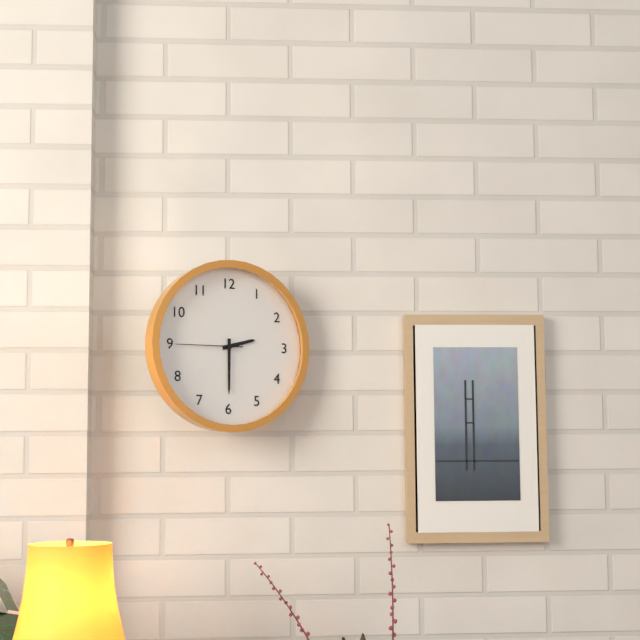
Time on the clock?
2:30:45
